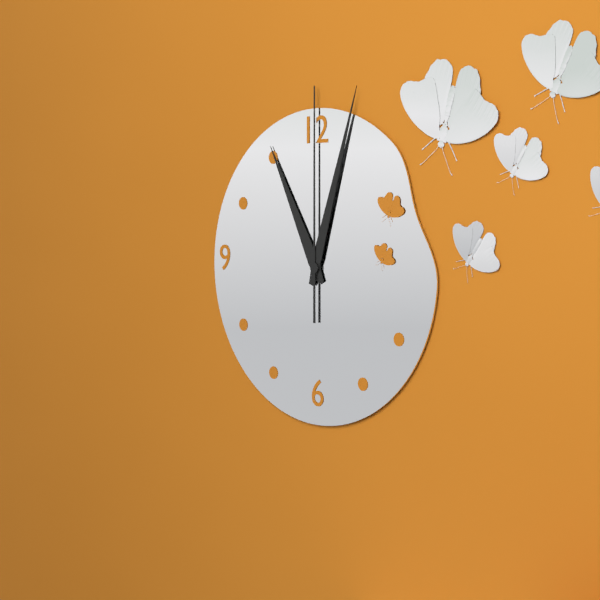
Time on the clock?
11:03:00
